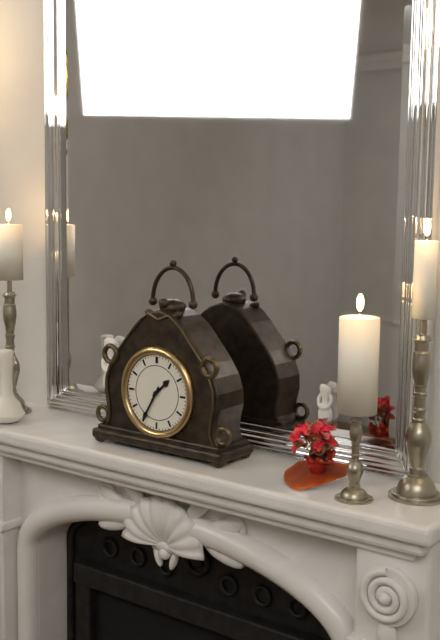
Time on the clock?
1:35
